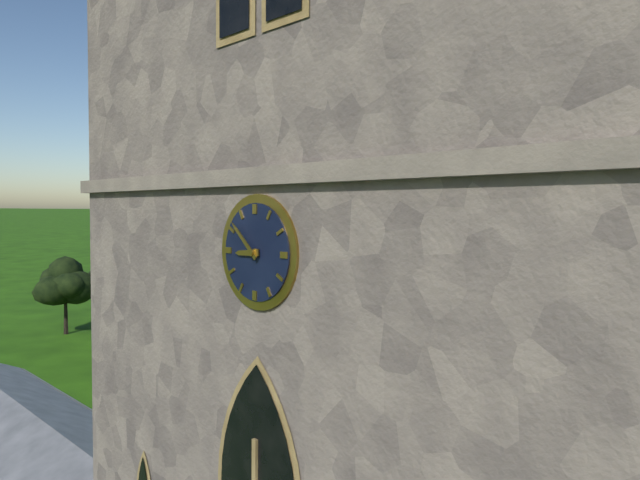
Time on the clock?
8:52
